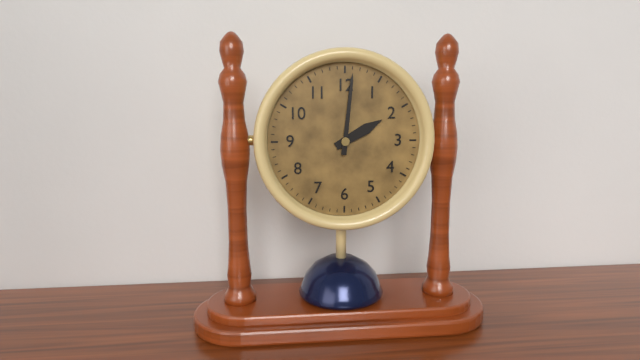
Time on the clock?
2:01
